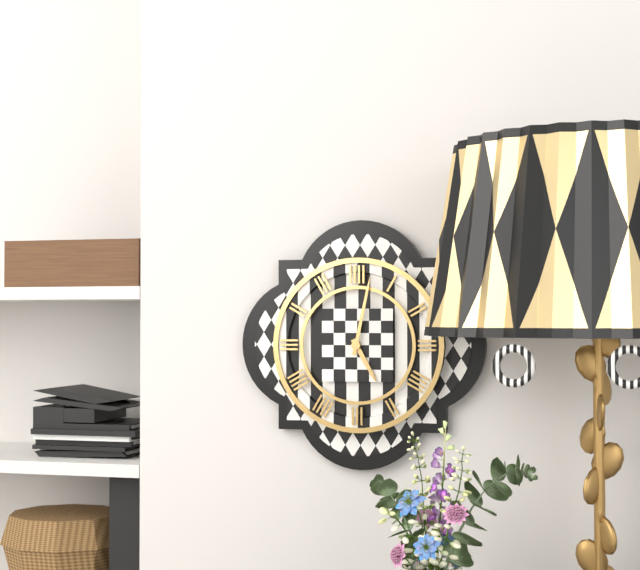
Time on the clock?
5:02
